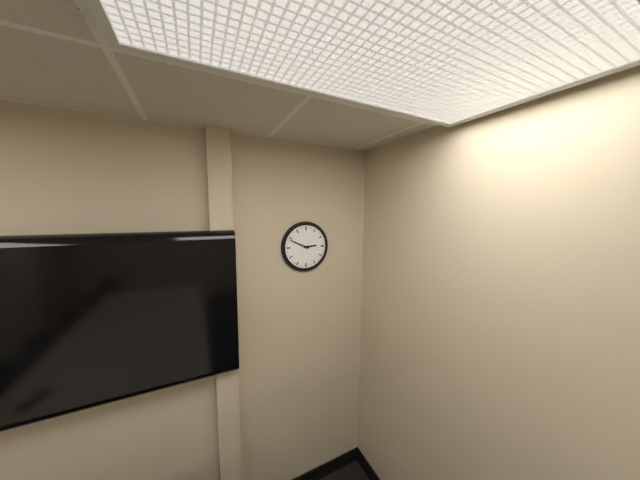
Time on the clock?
2:49
